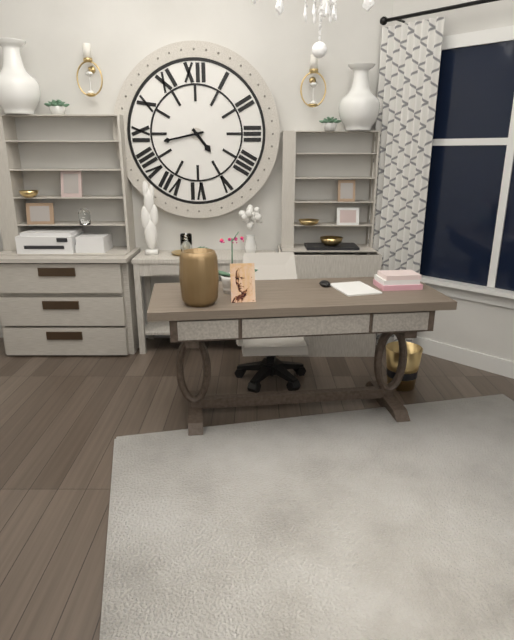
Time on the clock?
4:43
